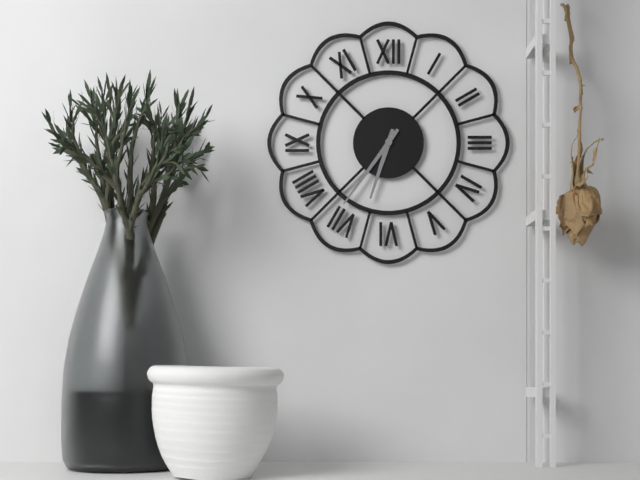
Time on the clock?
6:36
